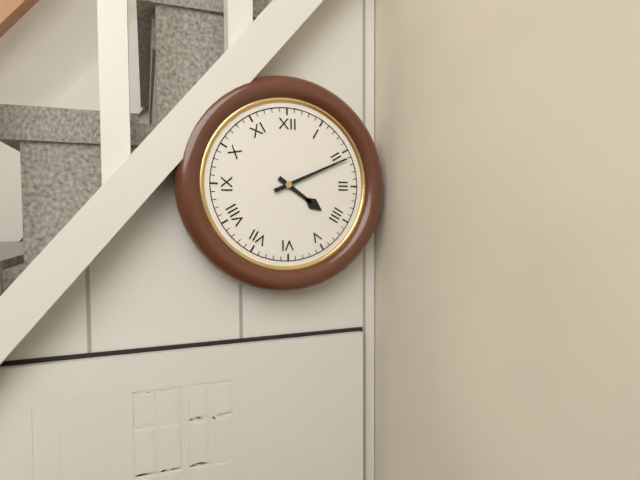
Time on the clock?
4:11
